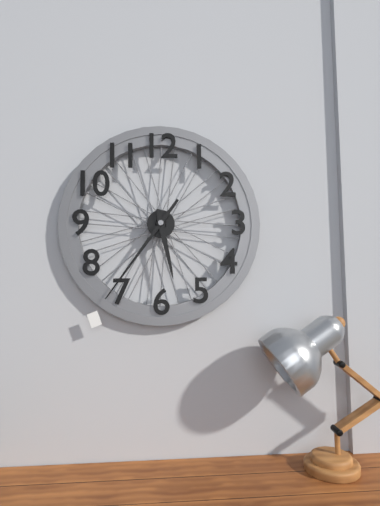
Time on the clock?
5:36
